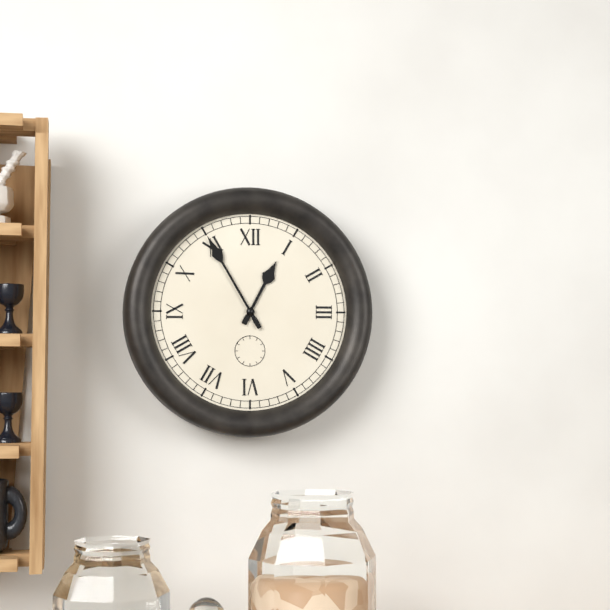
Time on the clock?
12:55
